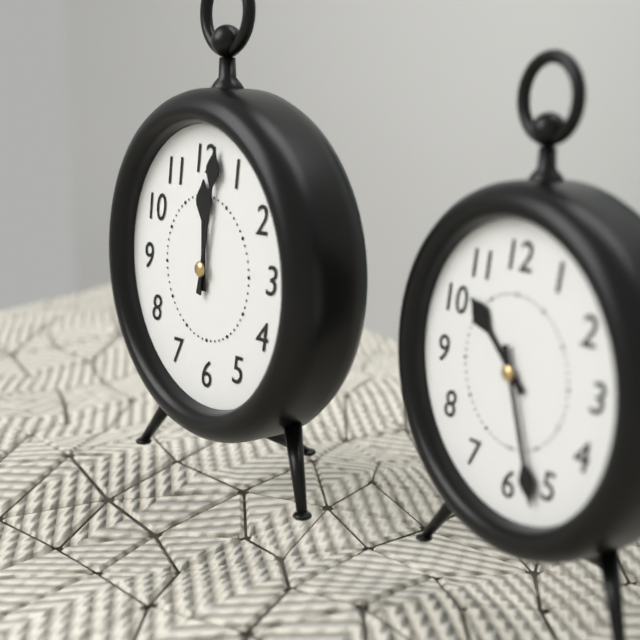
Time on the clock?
12:02
